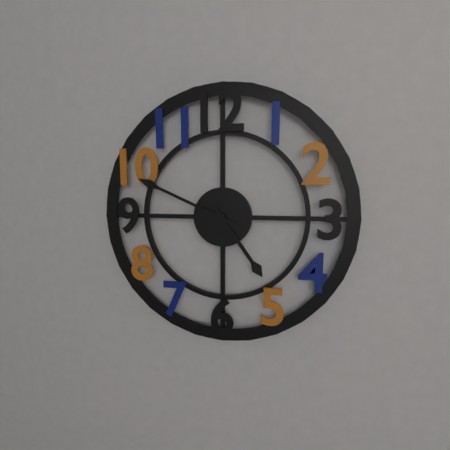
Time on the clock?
4:49
